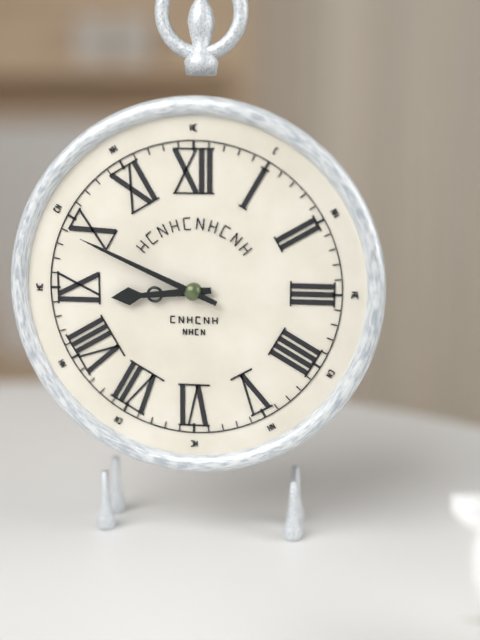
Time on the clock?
8:49
